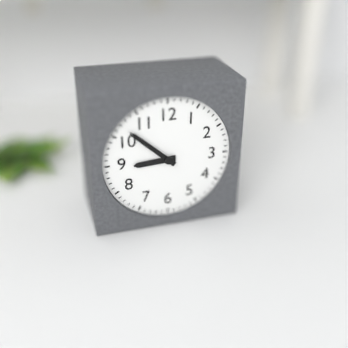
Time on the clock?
8:52
